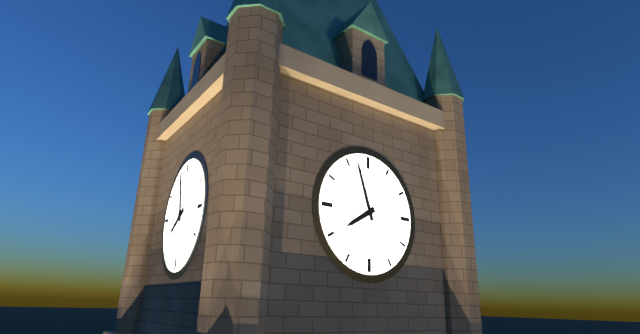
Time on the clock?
7:57
